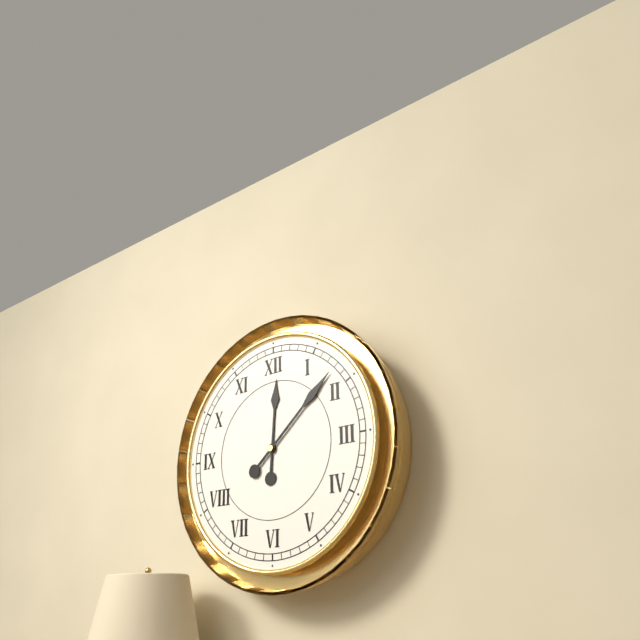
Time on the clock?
12:08
